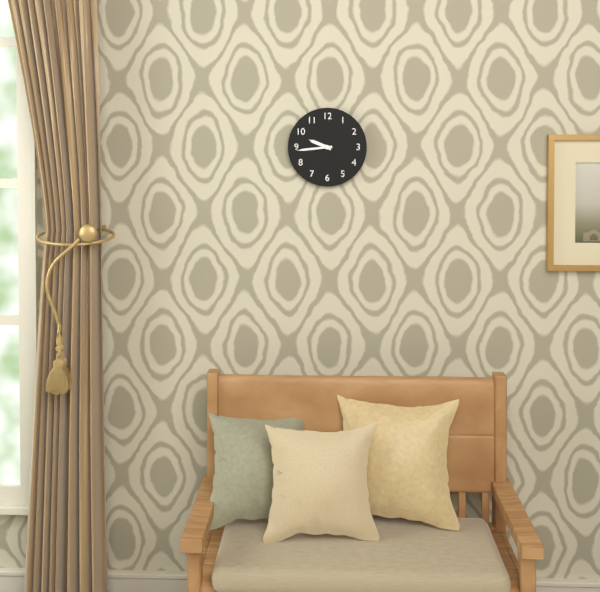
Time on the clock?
9:44
